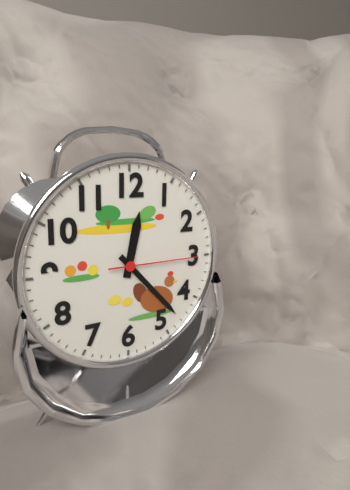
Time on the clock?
12:23:15
